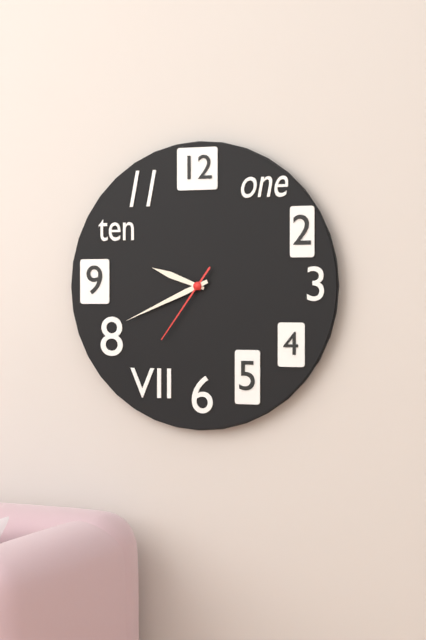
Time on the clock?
9:41:36
